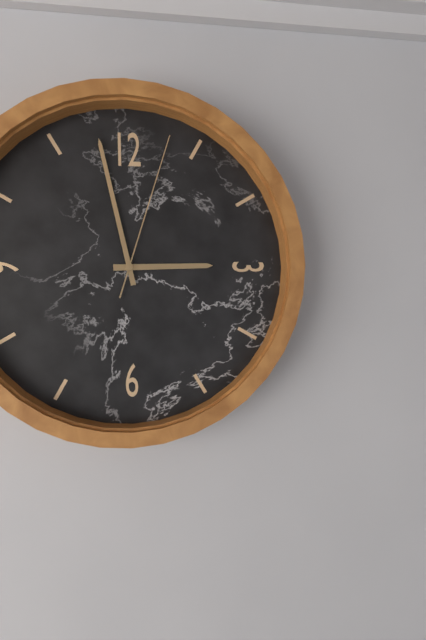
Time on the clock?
2:58:03
